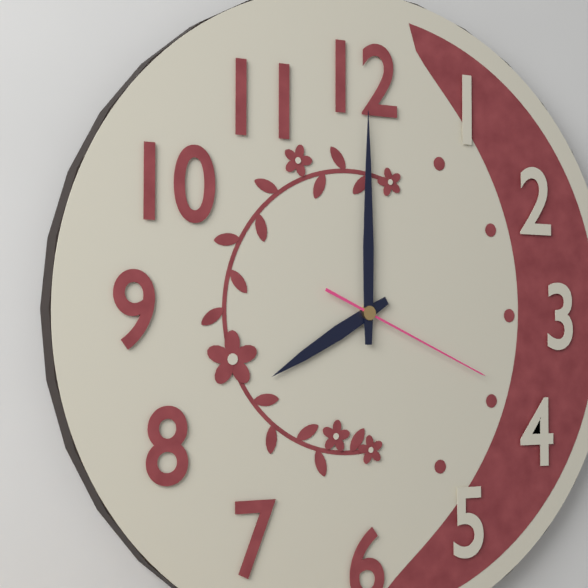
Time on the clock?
8:00:19
